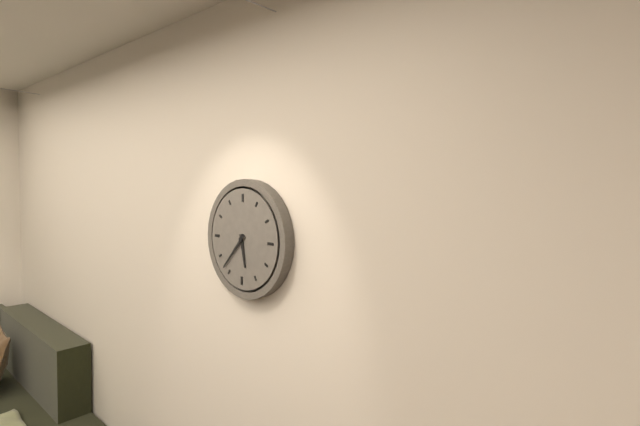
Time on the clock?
5:37
